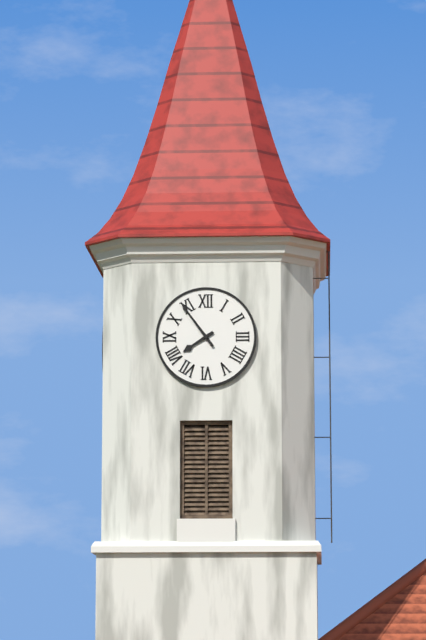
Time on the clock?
7:54
